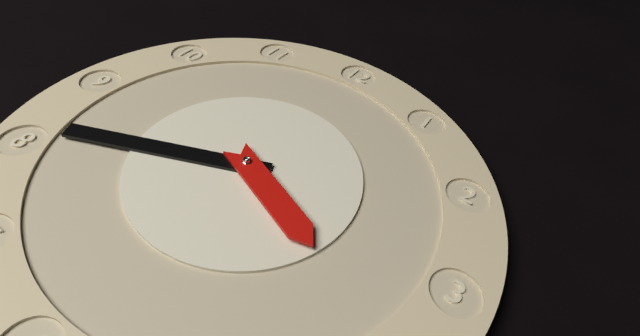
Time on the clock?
3:41
